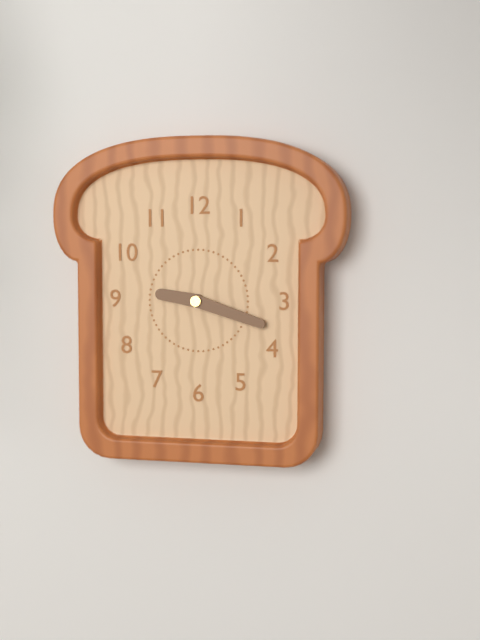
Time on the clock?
9:18
